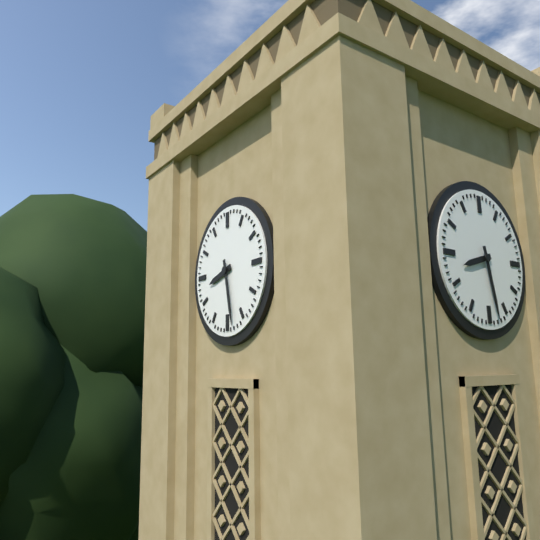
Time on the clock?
8:28
